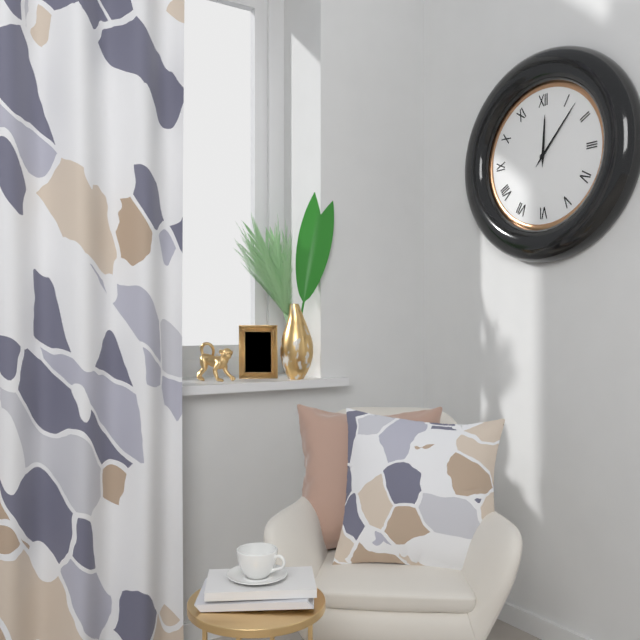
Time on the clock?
12:07
